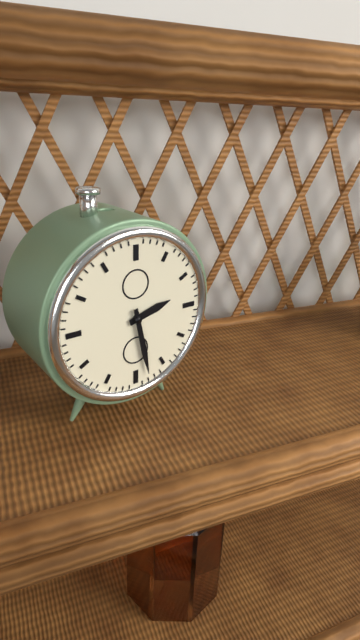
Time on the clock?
2:28
